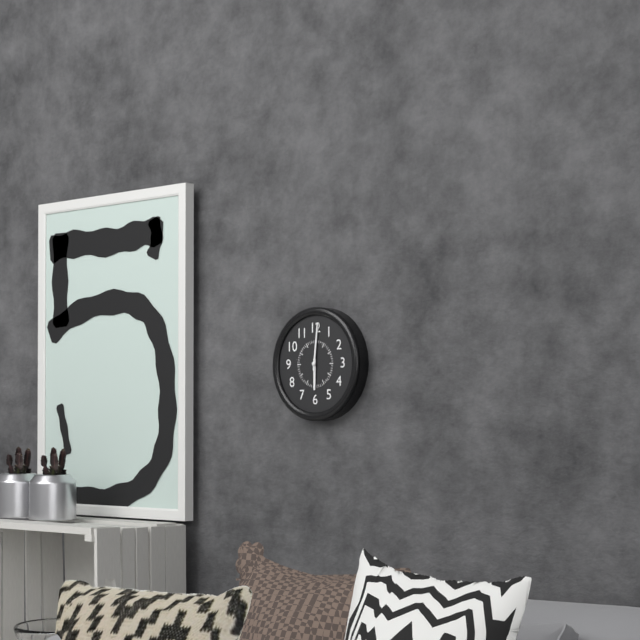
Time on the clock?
6:01
